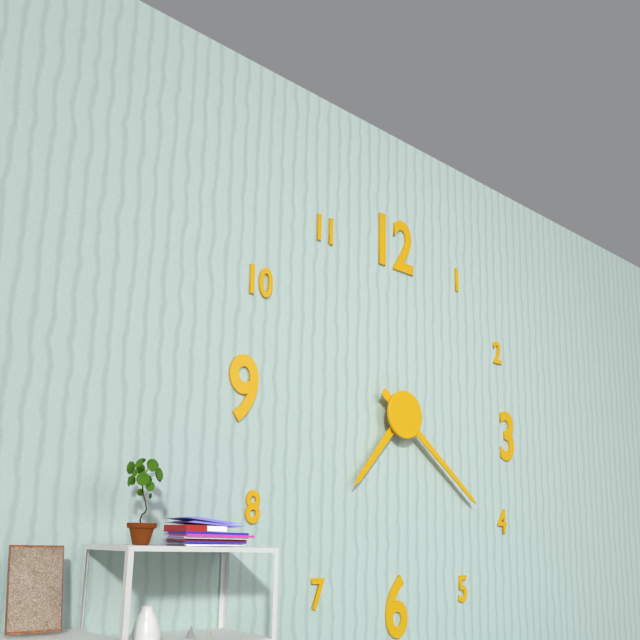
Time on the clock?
7:21
